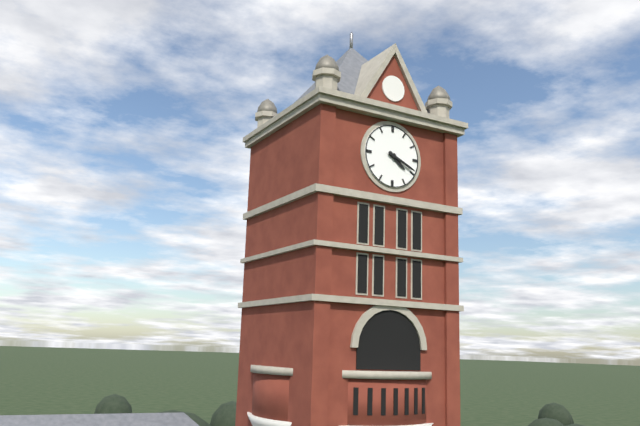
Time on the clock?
4:19
